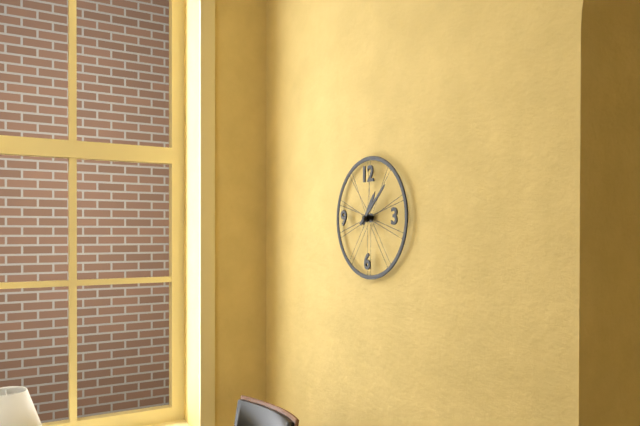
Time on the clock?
1:08
